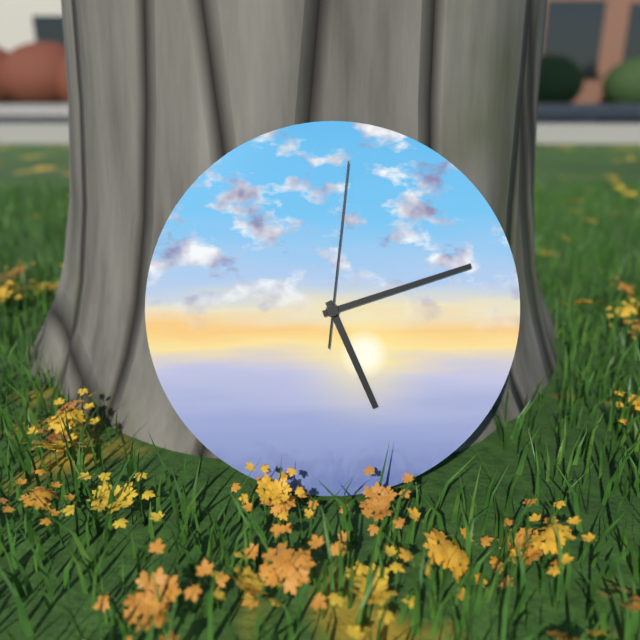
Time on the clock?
5:12:01
